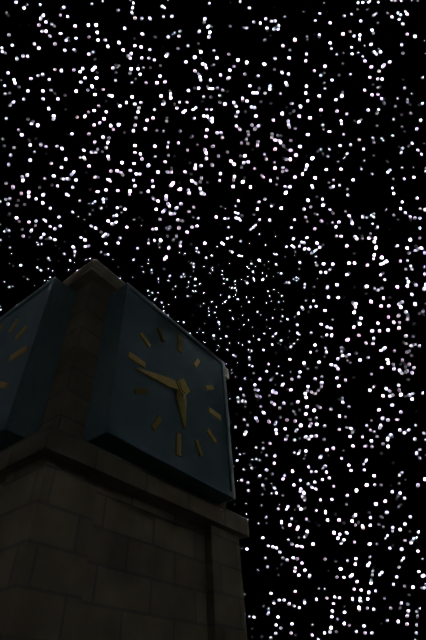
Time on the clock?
5:43
